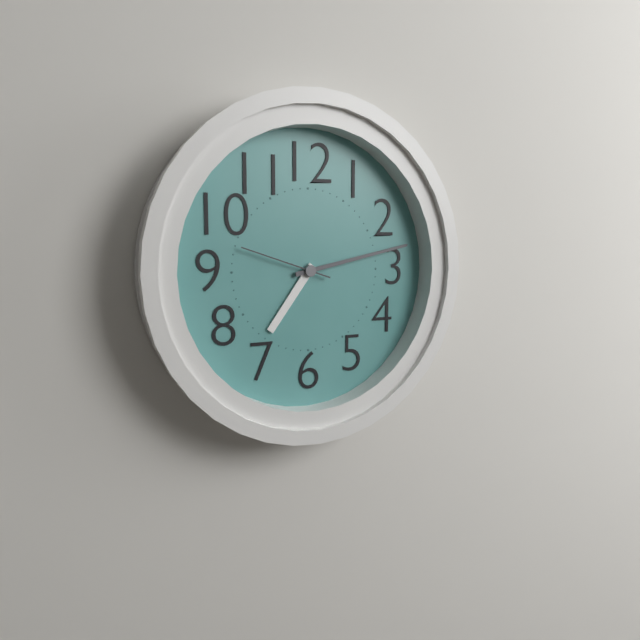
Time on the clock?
7:13:48
